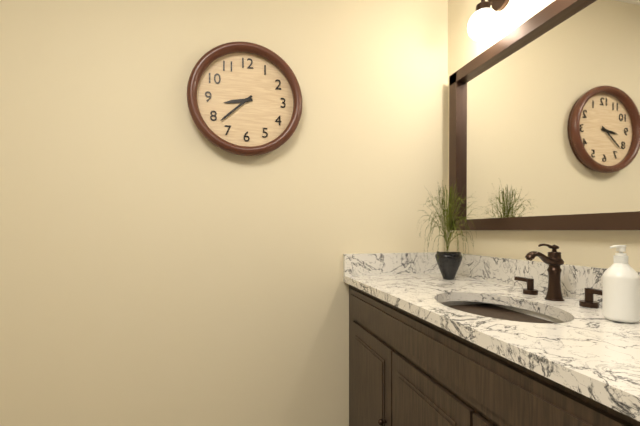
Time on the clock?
8:38
